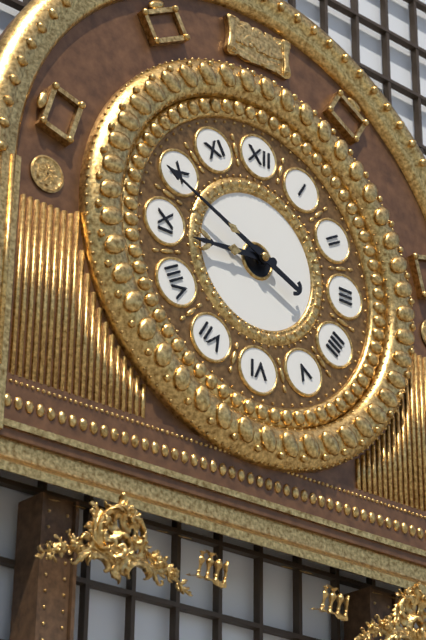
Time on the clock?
8:49
